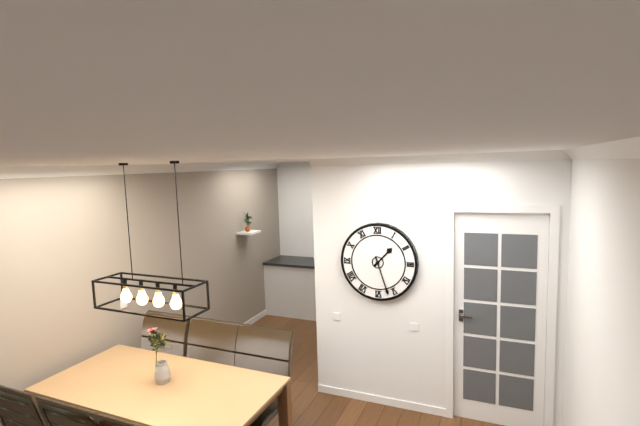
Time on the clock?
1:27
